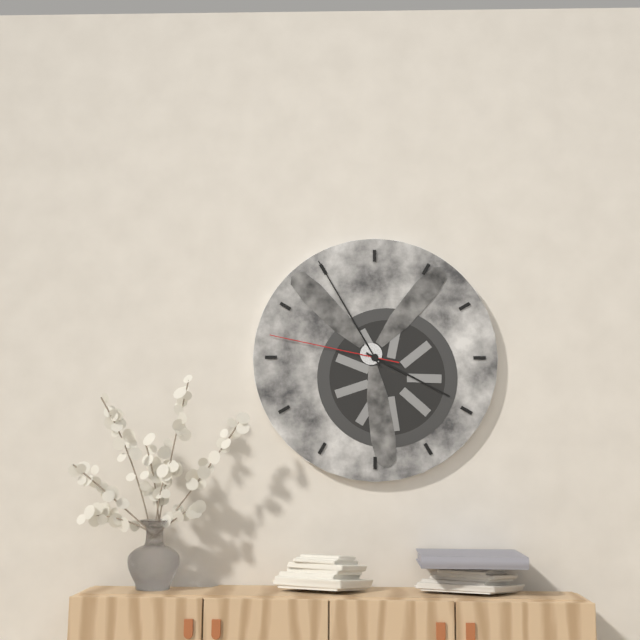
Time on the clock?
3:55:47
